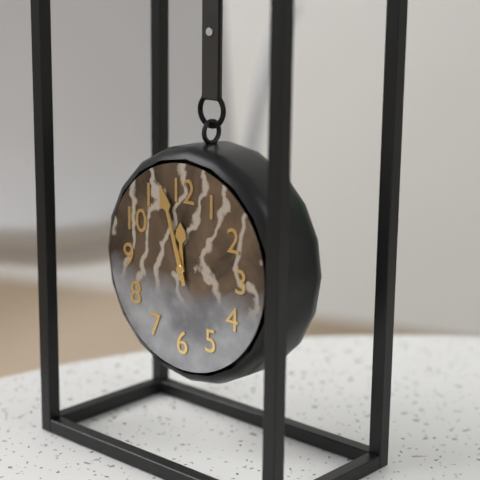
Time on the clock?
11:57
